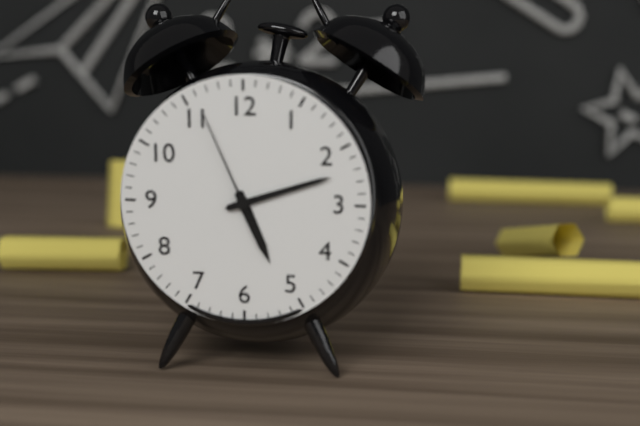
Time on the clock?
5:12:56
